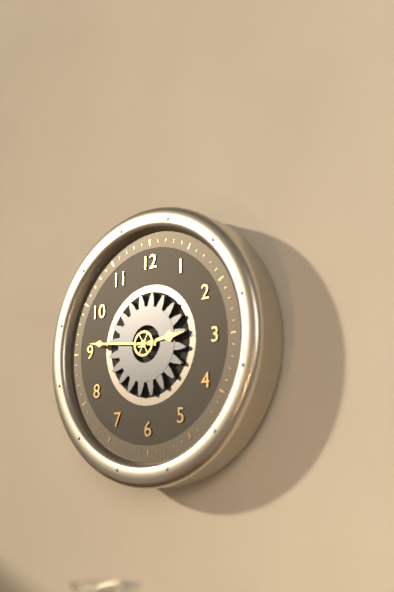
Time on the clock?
2:46
